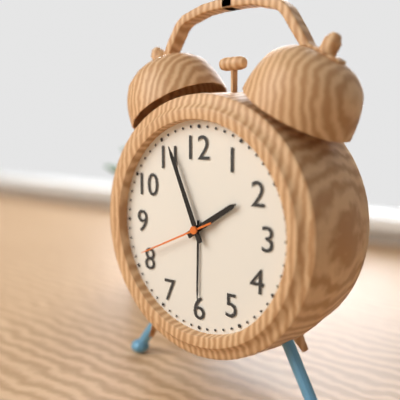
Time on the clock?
1:56:41
